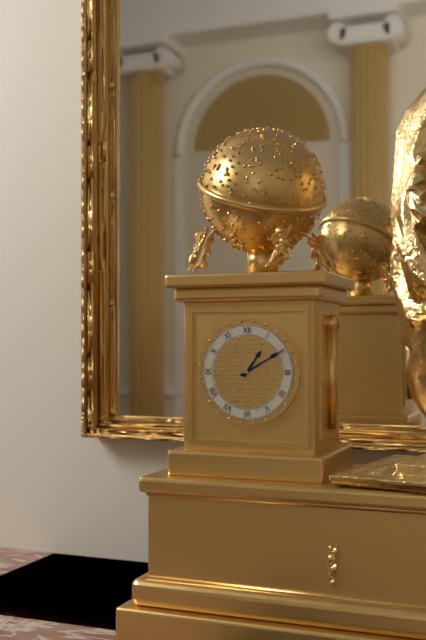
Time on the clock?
1:10
